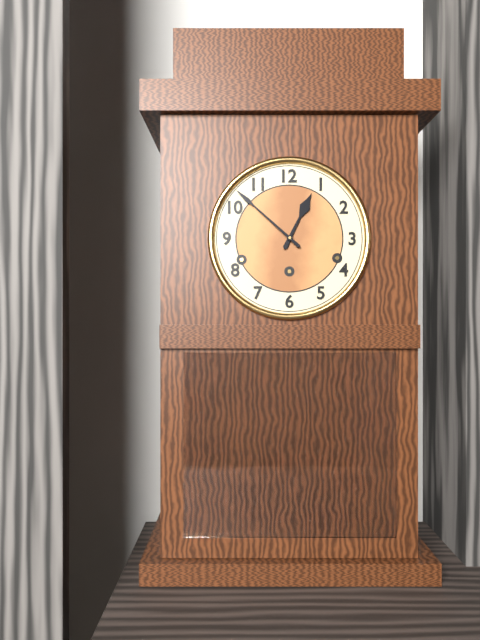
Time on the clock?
12:52
